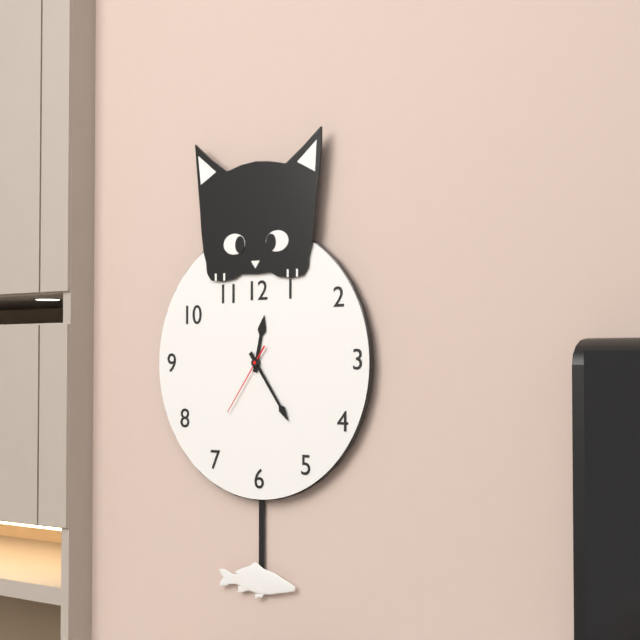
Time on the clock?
12:24:36
